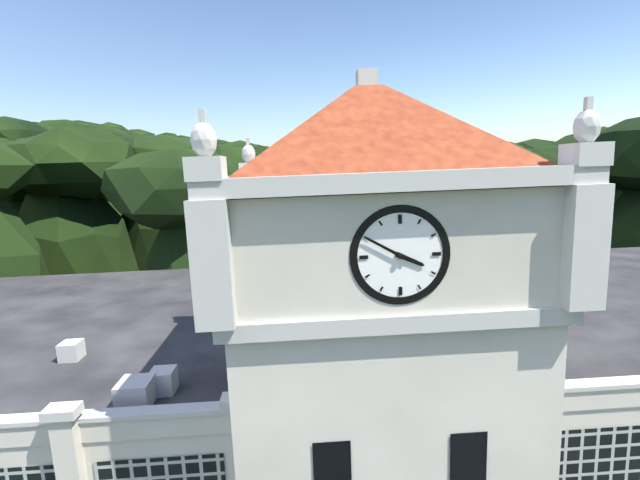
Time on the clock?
3:50
